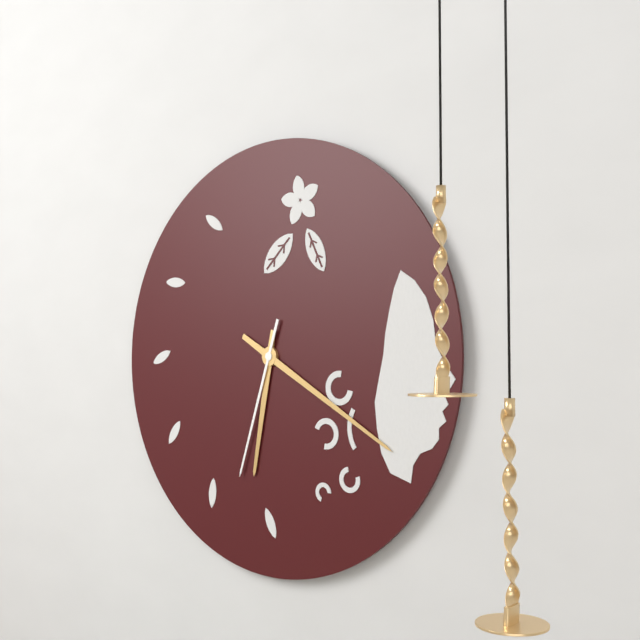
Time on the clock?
6:20:33
